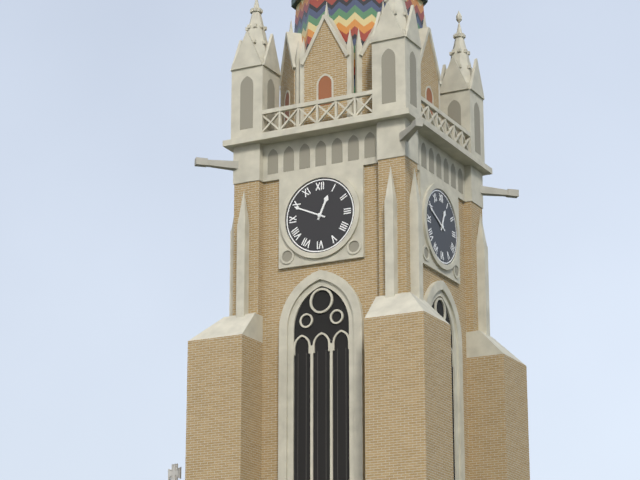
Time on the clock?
12:49
